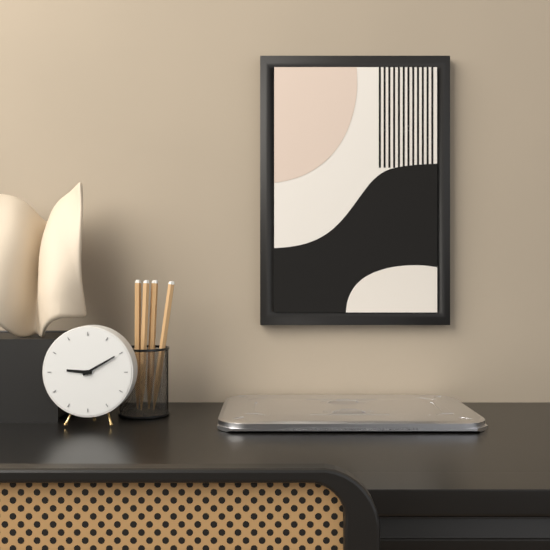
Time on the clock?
9:10
